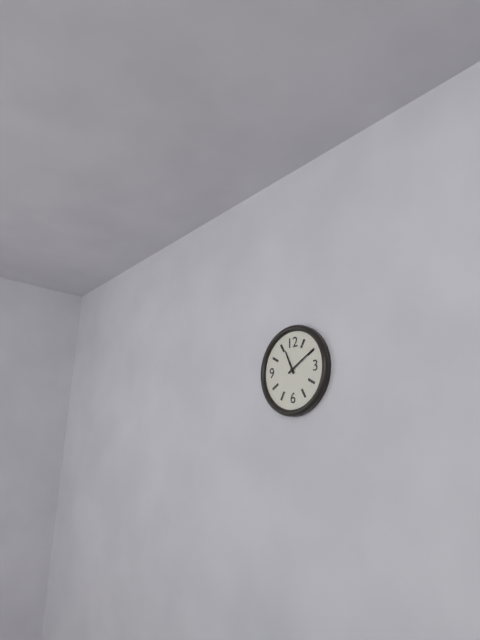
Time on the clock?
11:10
